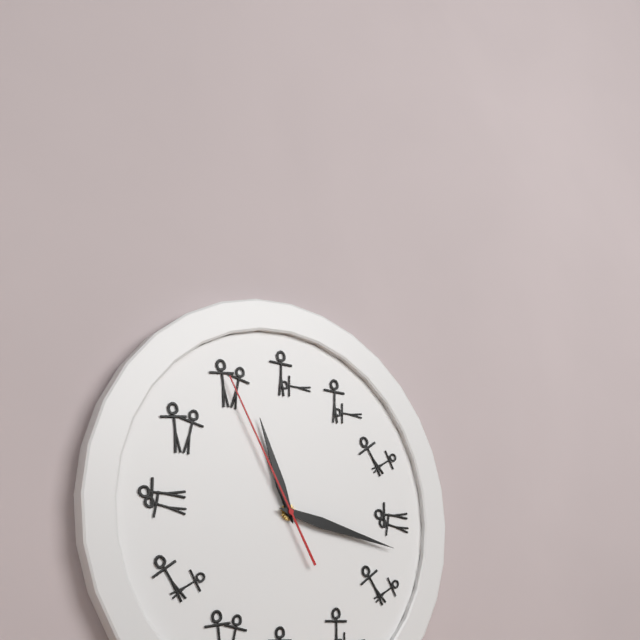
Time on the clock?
11:17:55
